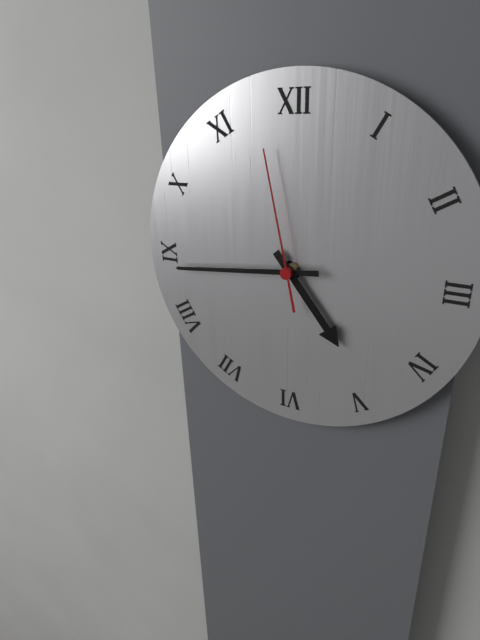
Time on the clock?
4:44:58
